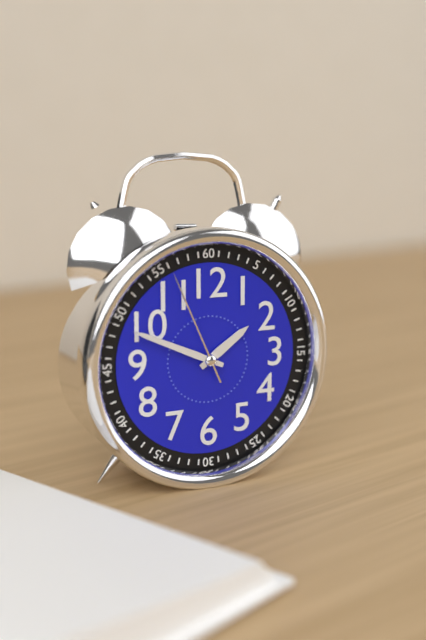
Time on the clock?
1:49:56
